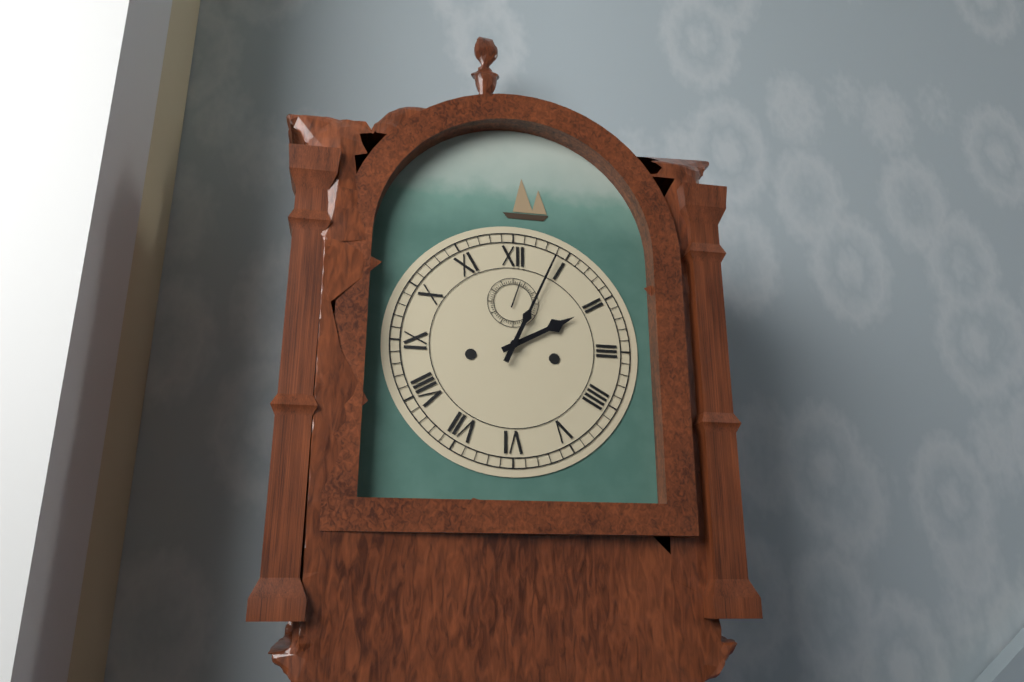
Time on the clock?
2:04
